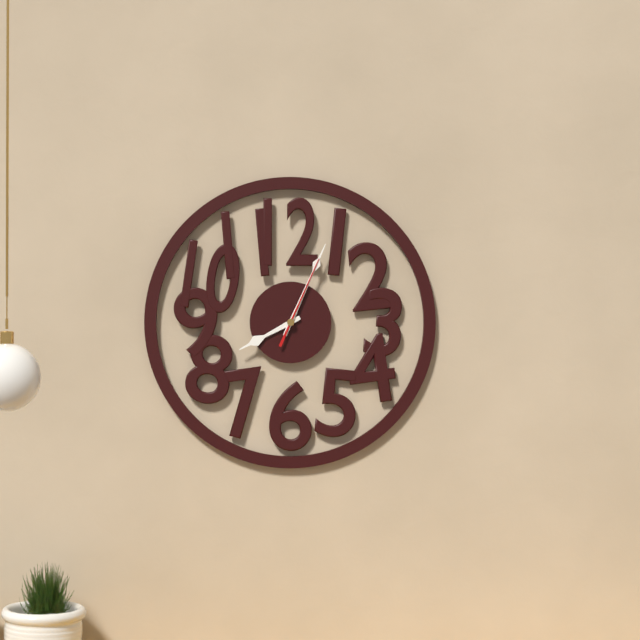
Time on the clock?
8:04:04
